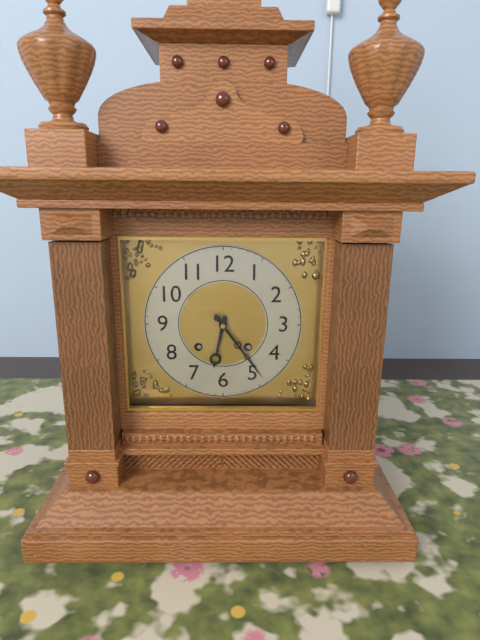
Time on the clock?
6:24
